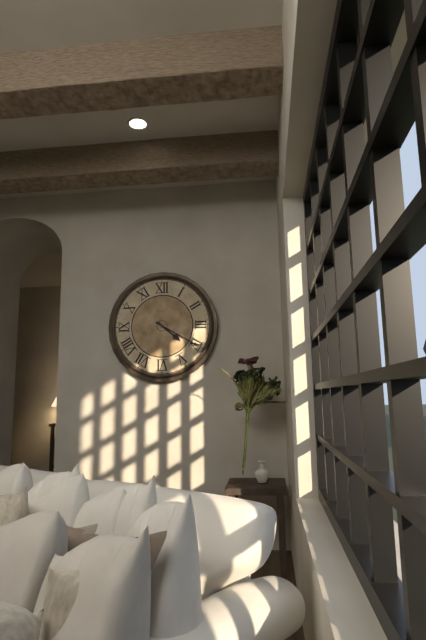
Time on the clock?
4:20
